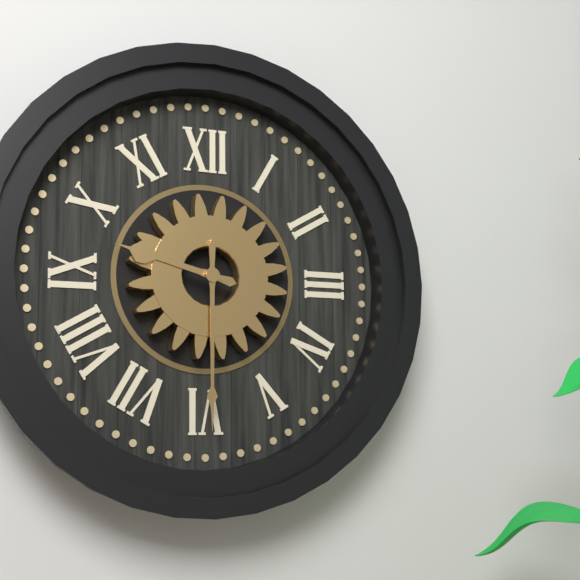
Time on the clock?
9:30
